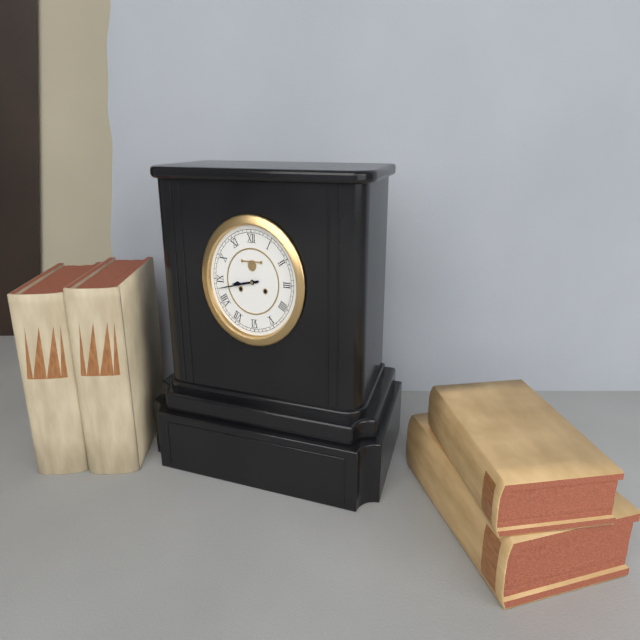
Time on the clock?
8:43
